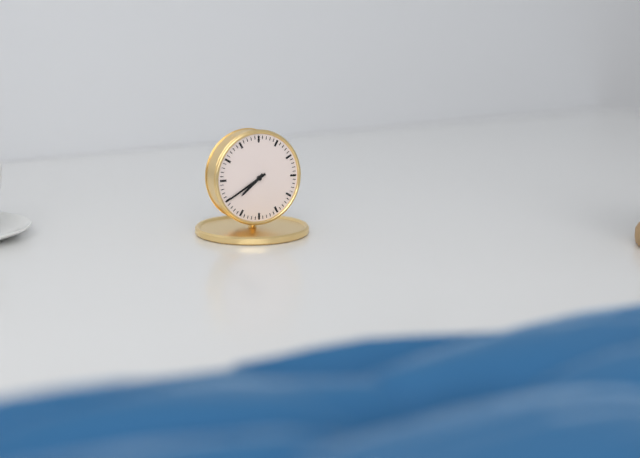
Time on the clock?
7:40
